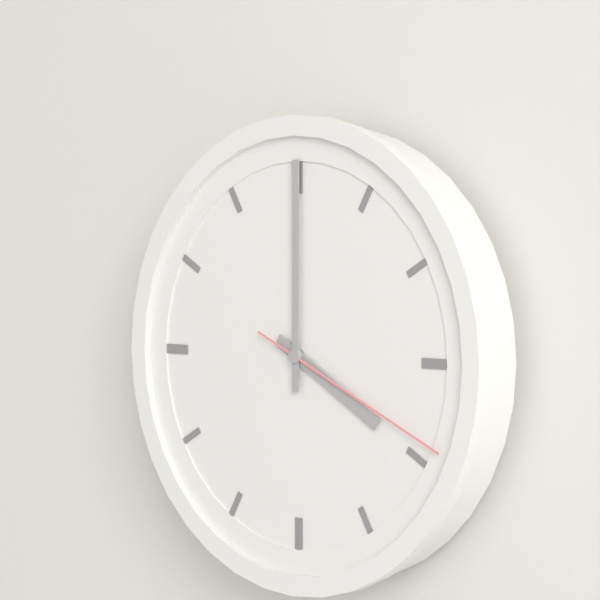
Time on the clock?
4:00:19
